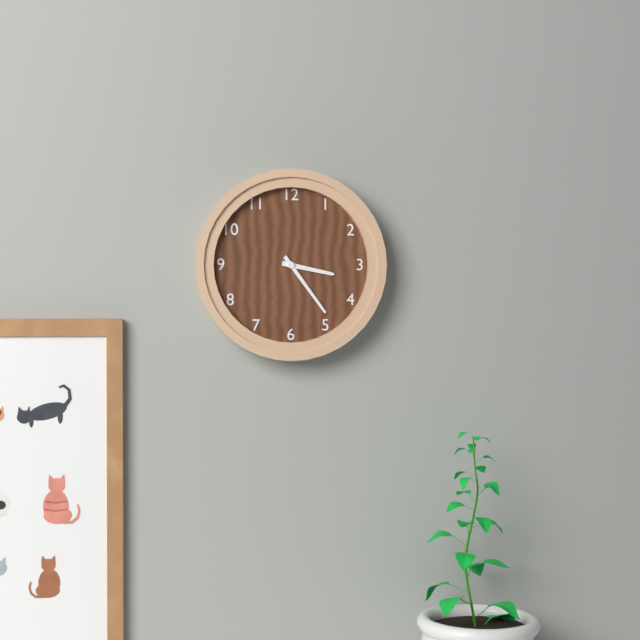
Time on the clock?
3:24
